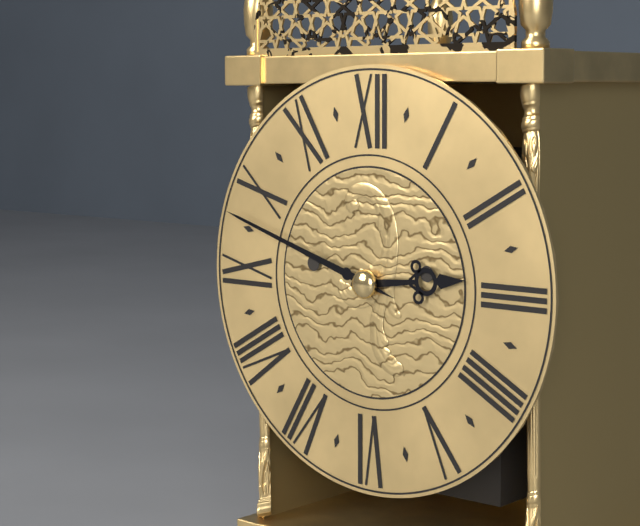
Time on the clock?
2:48
